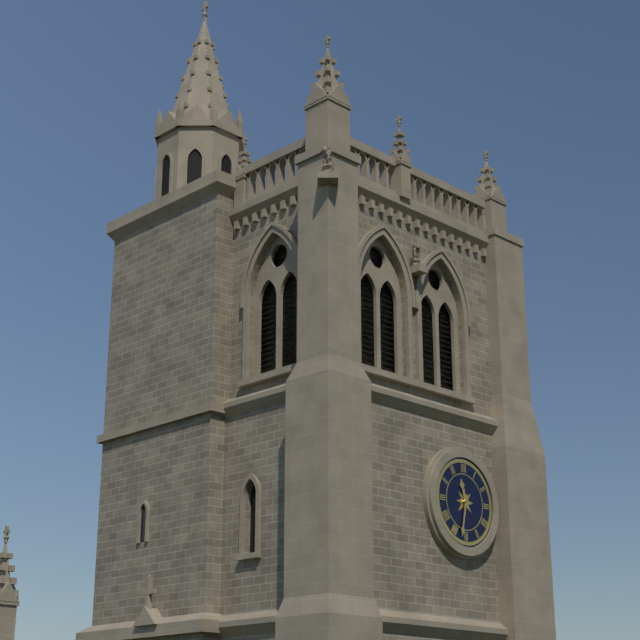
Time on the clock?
11:32
